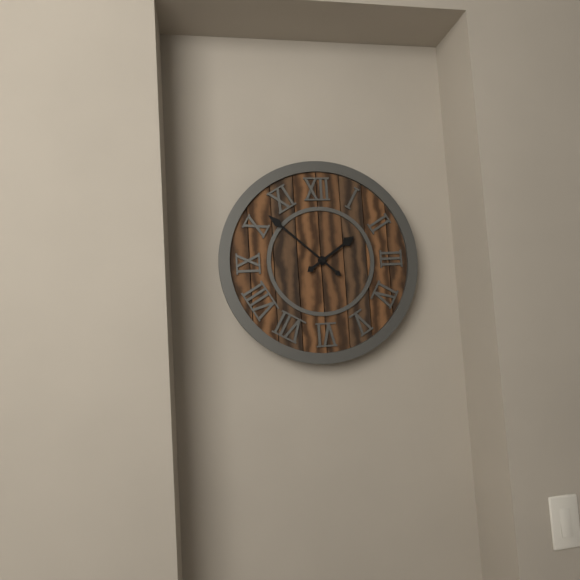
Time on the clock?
1:52
